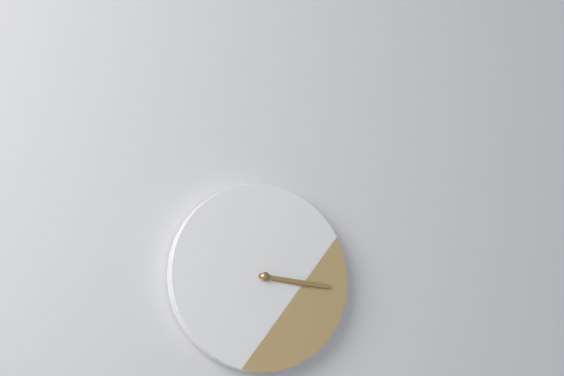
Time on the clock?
3:16
